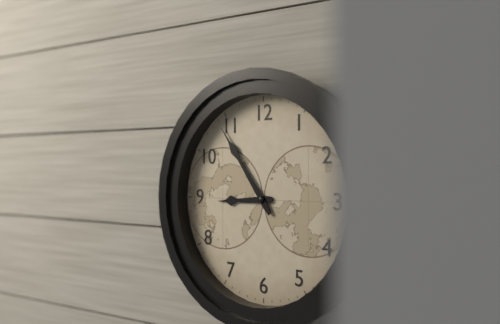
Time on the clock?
8:54
